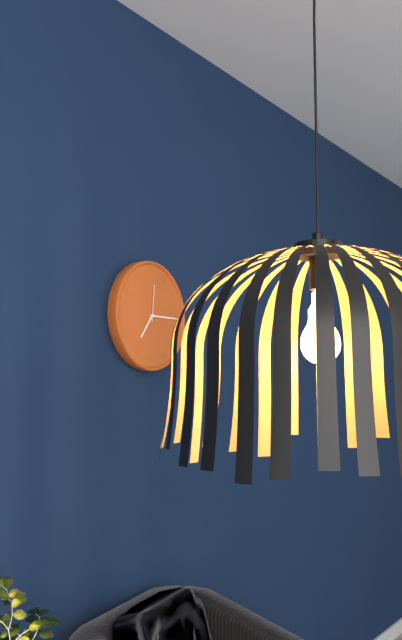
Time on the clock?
7:15
